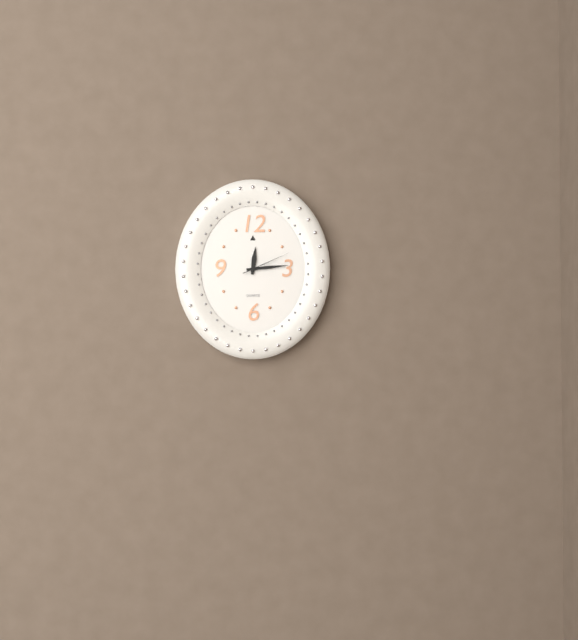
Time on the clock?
12:14:11
